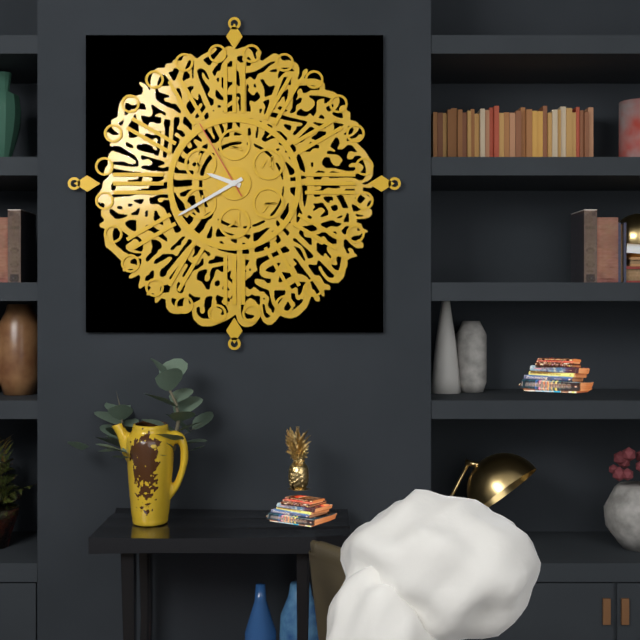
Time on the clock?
9:40:55
